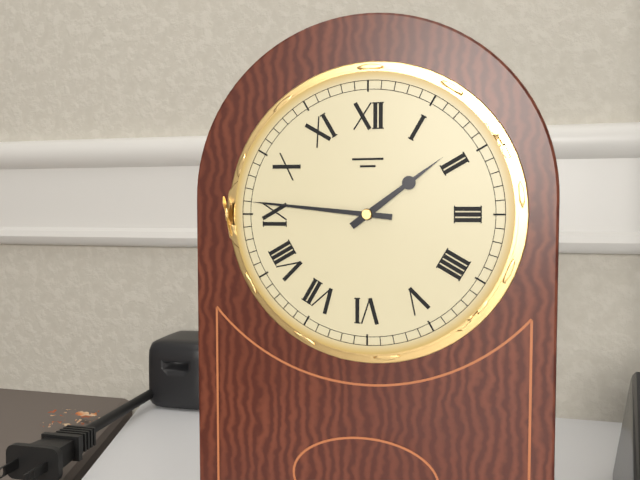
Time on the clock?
1:46
